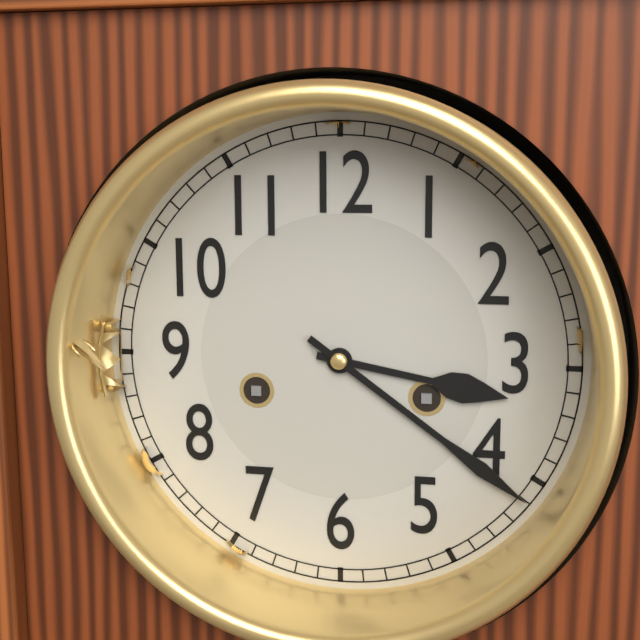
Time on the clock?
3:21
